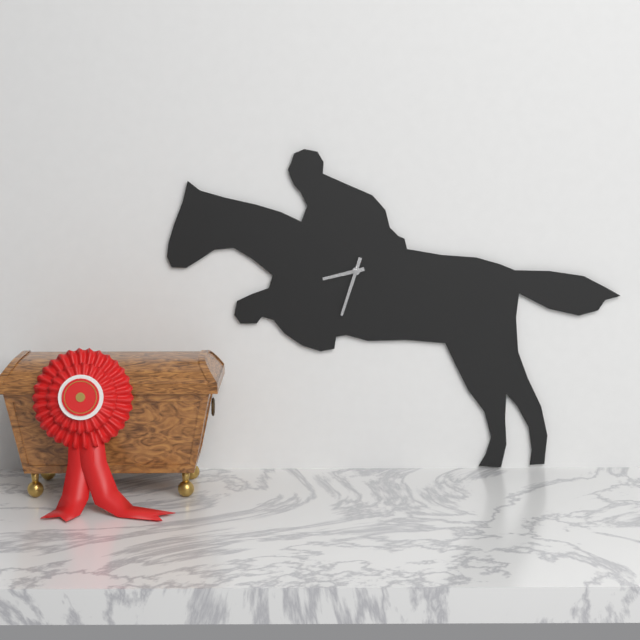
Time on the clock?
8:33
